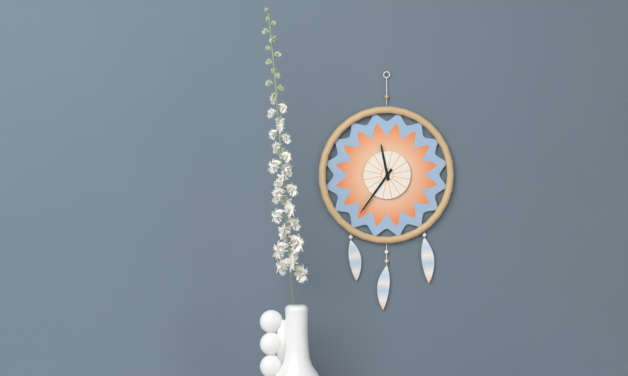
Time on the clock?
11:36
